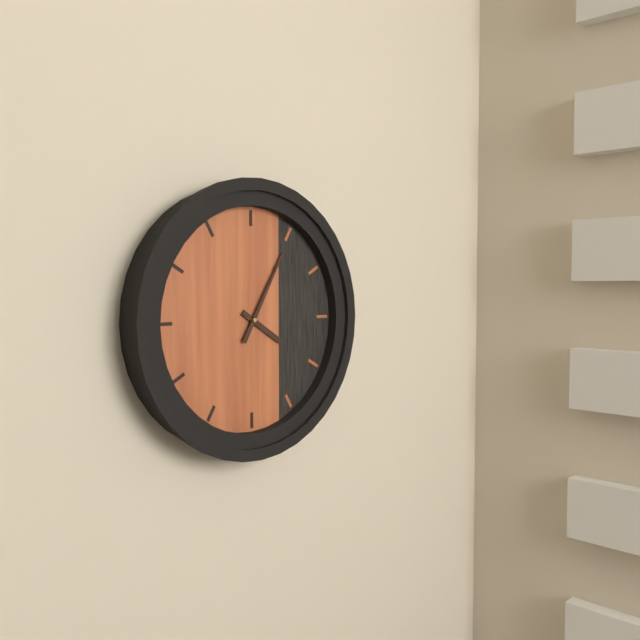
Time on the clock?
4:05
